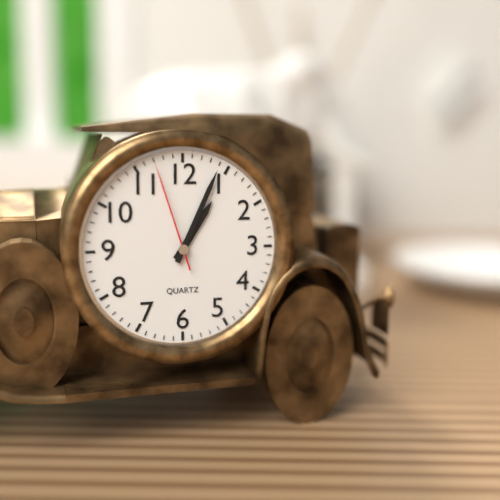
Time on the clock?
1:04:57
